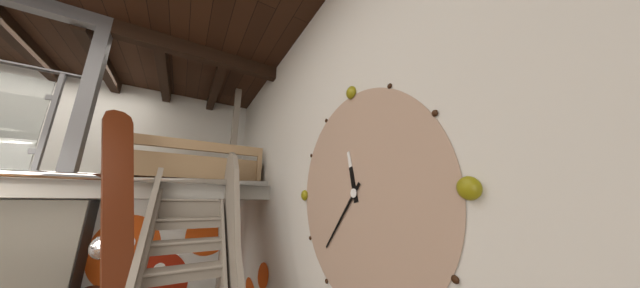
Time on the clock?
11:37
